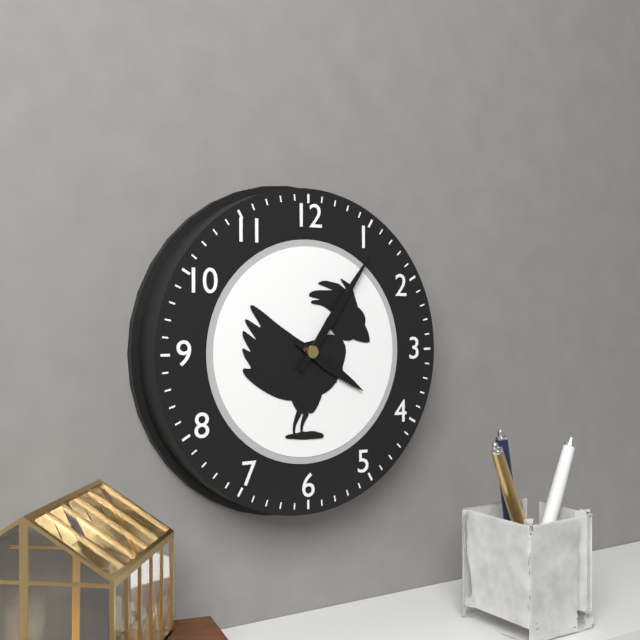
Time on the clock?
4:06
